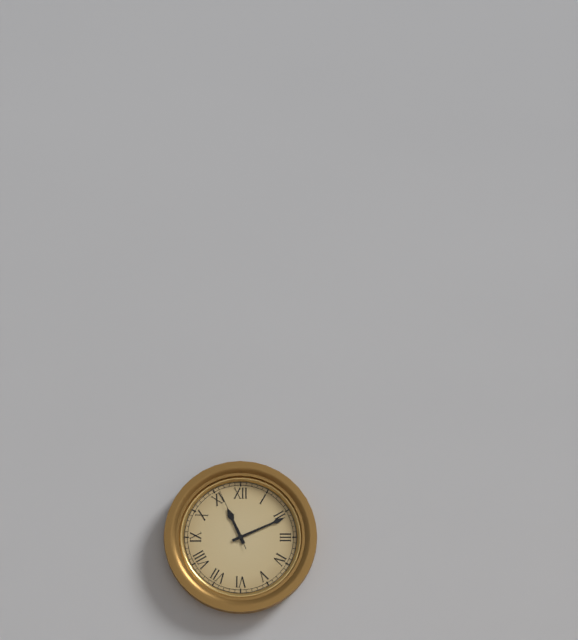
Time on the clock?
11:11:56
